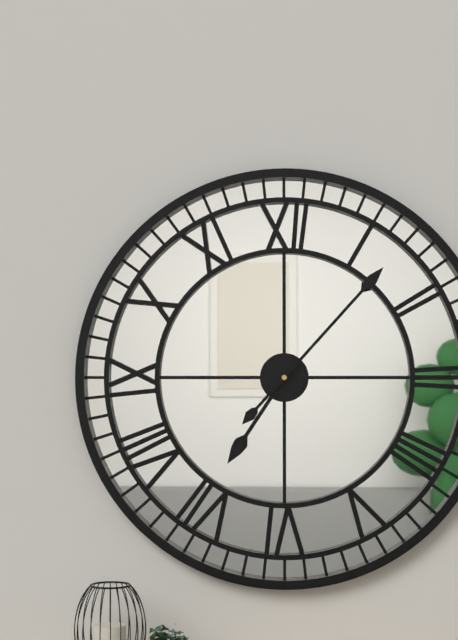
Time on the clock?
7:07
